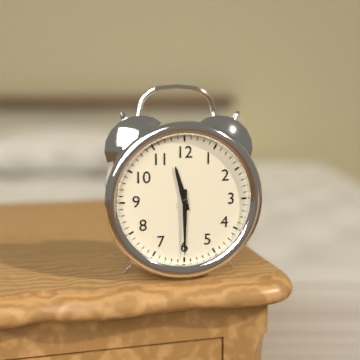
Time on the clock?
11:30
